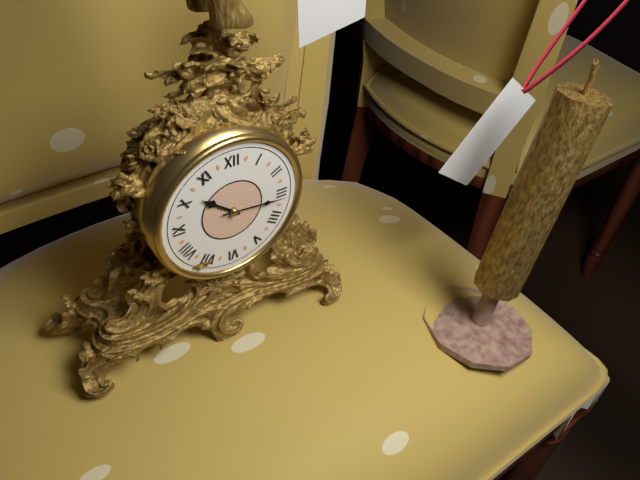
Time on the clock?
10:16
